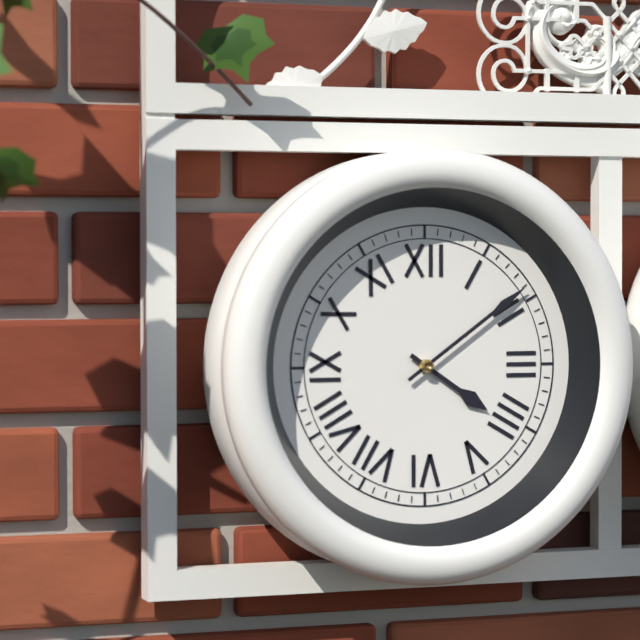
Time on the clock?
4:09
